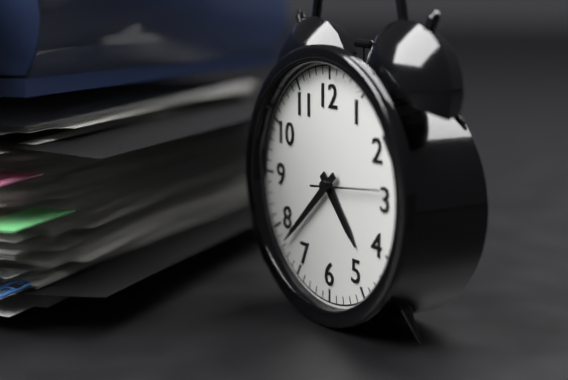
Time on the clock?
4:38:14
